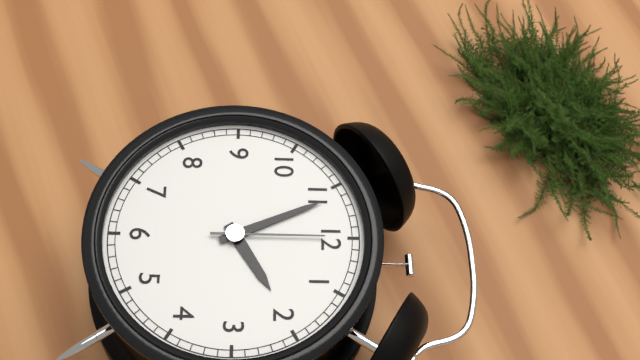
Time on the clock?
1:56:00
